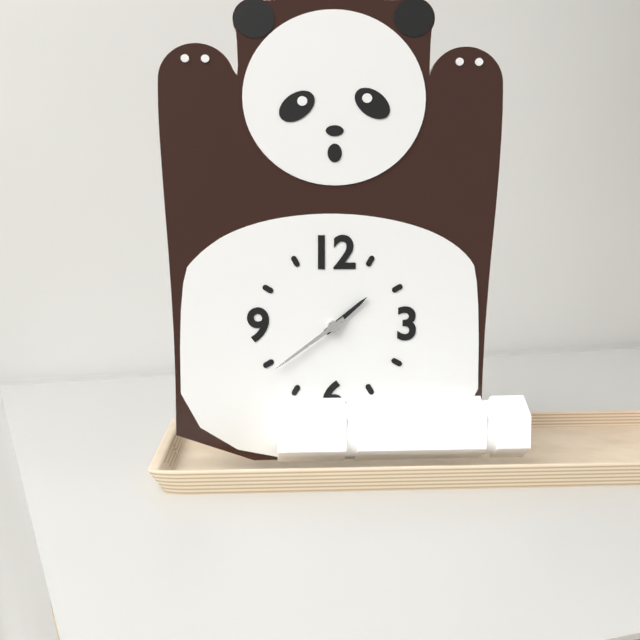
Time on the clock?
1:39
